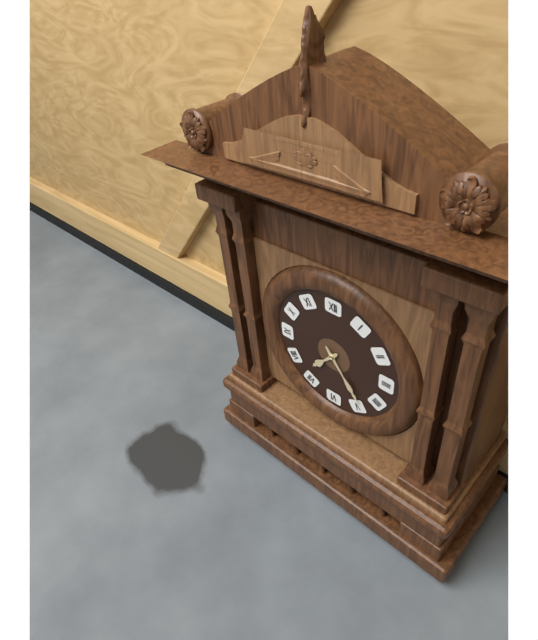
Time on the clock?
7:24
